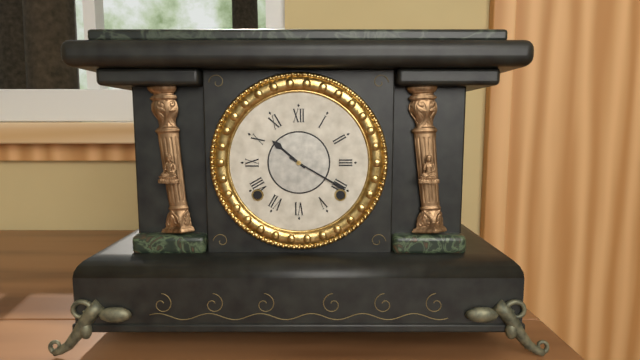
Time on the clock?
10:20
